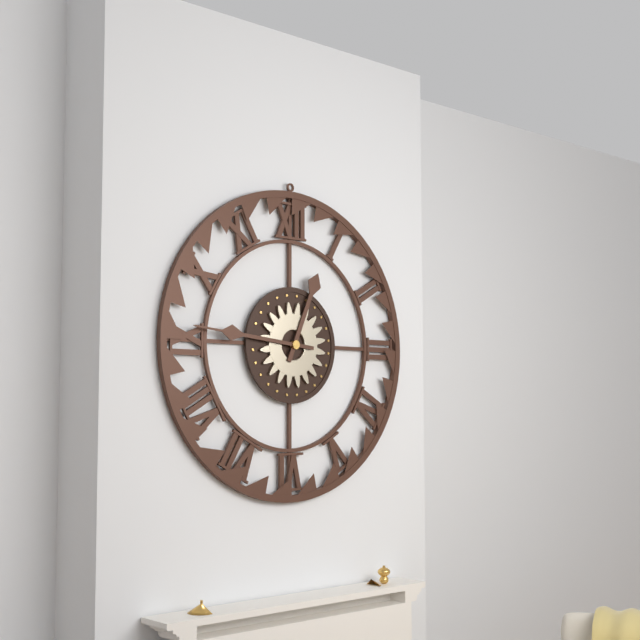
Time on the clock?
12:46
